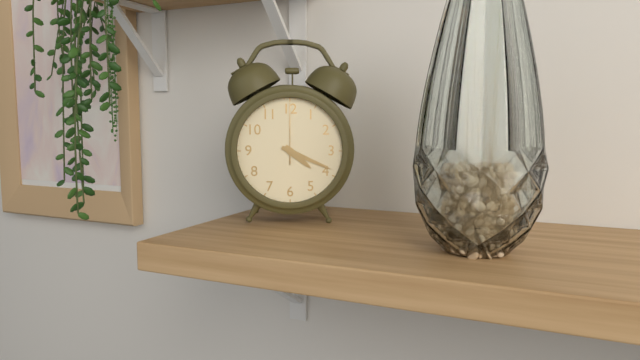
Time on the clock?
4:19:00
